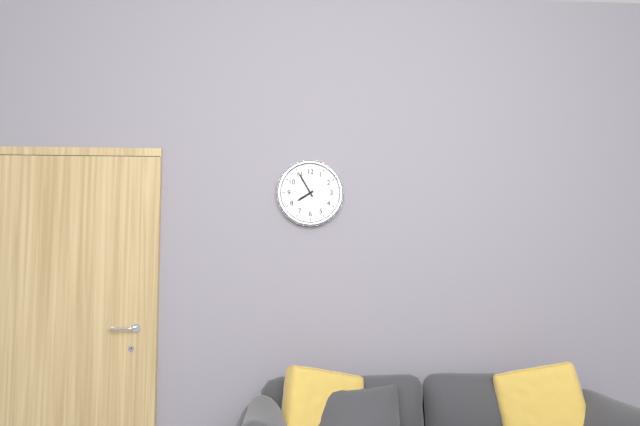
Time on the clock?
7:55
